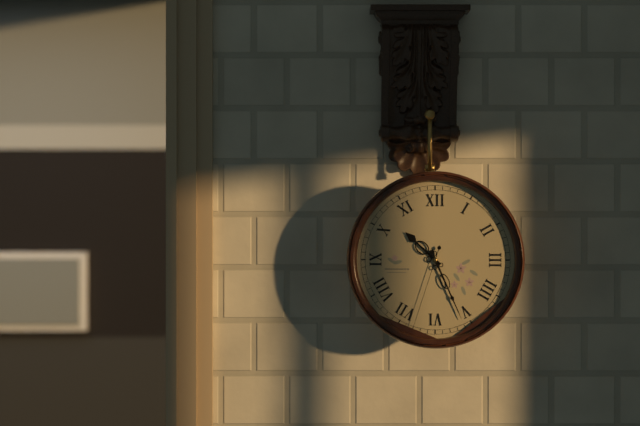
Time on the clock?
10:26:33
